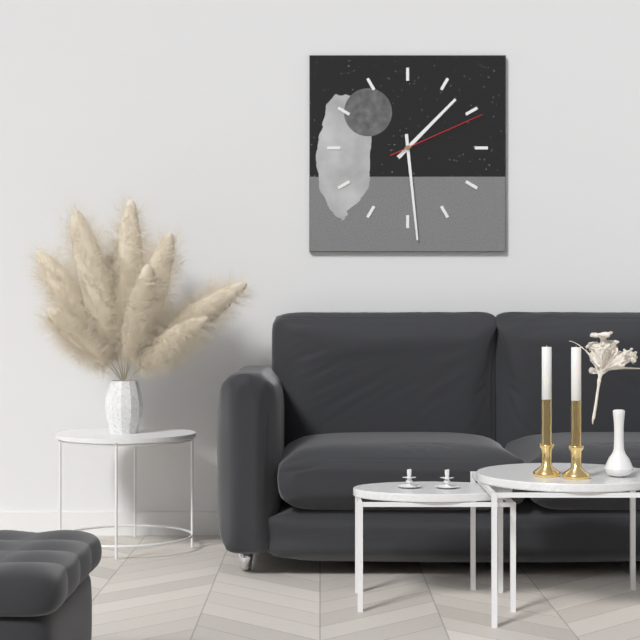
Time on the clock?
1:29:11
